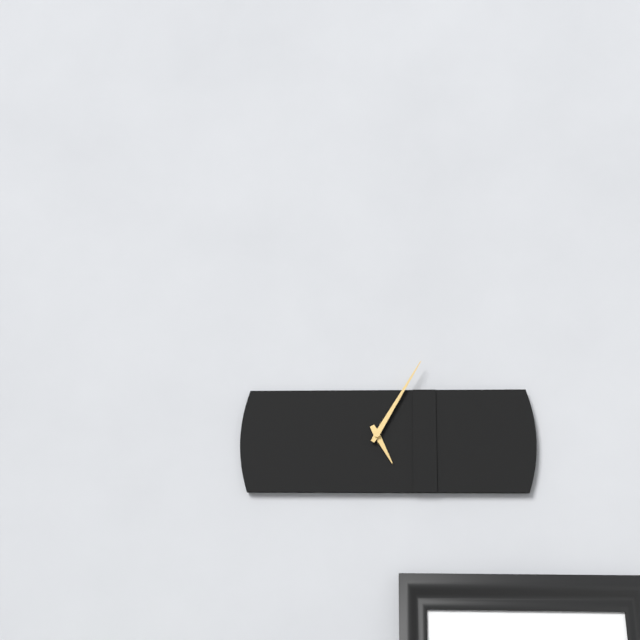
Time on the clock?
5:05
